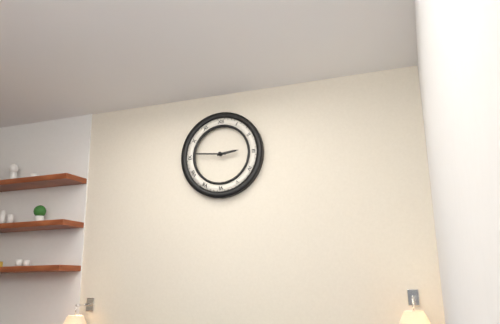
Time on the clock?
2:46
